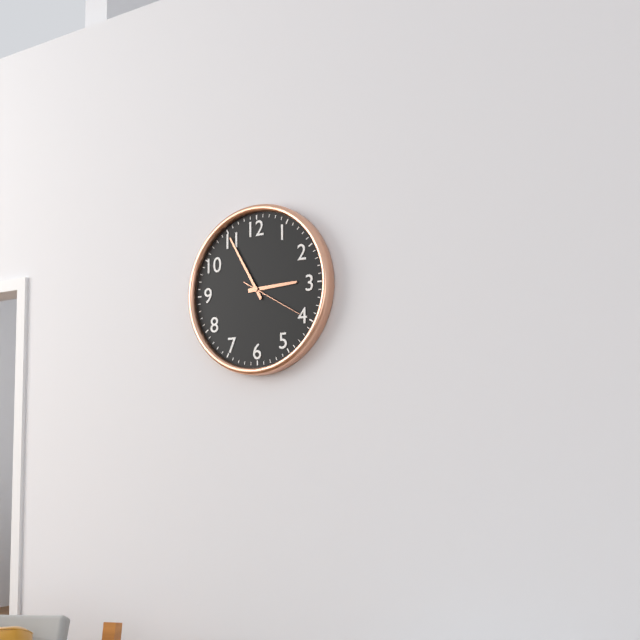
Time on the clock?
2:55:20
